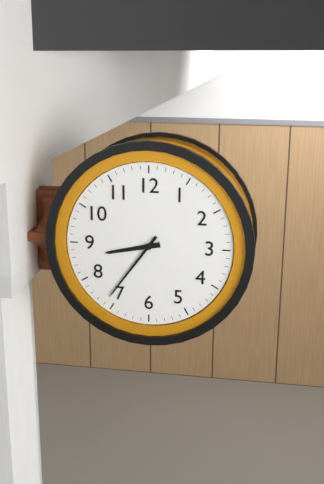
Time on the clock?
8:36
